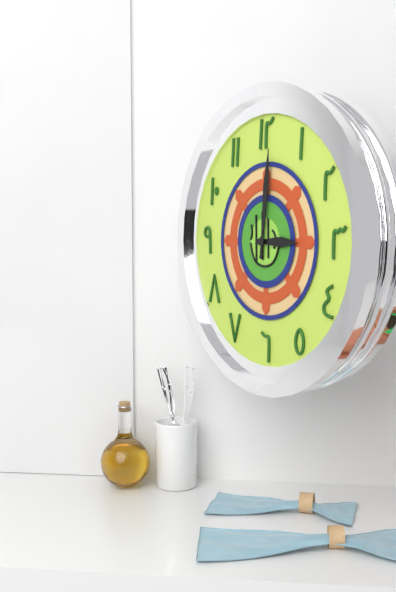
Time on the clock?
3:01
